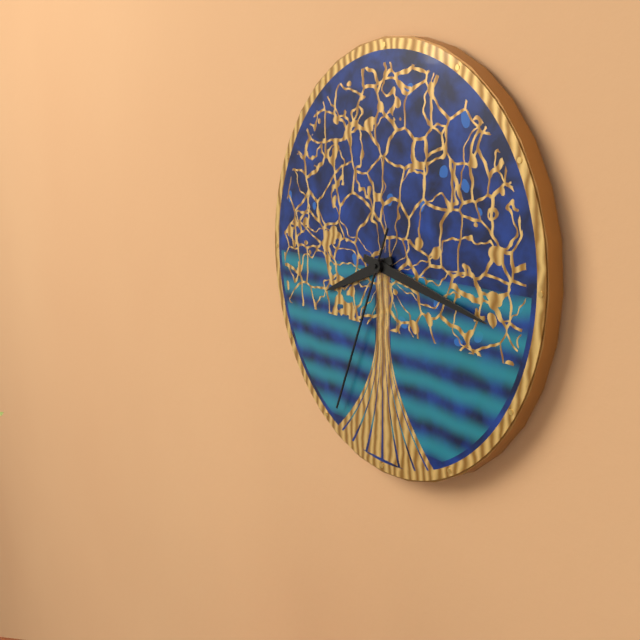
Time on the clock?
8:17:34
